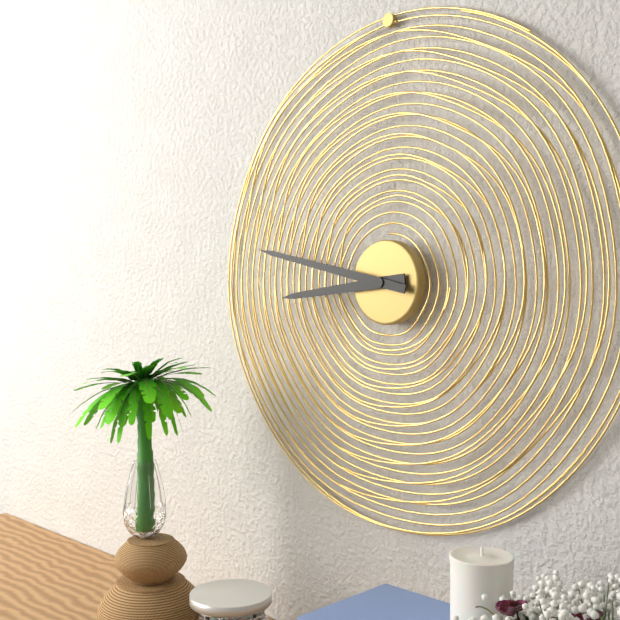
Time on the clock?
8:47
